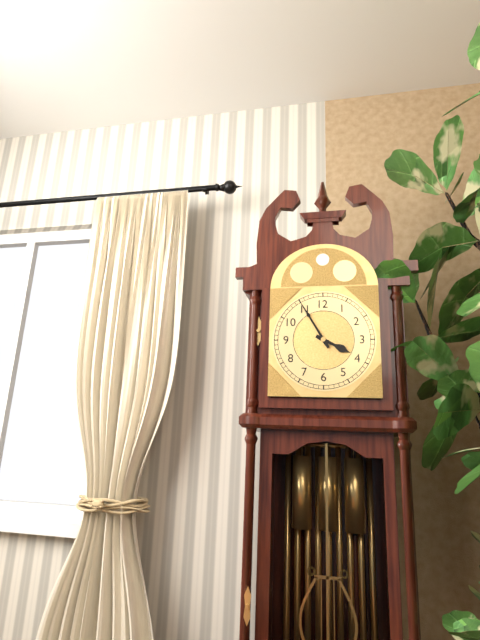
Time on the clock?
3:55
